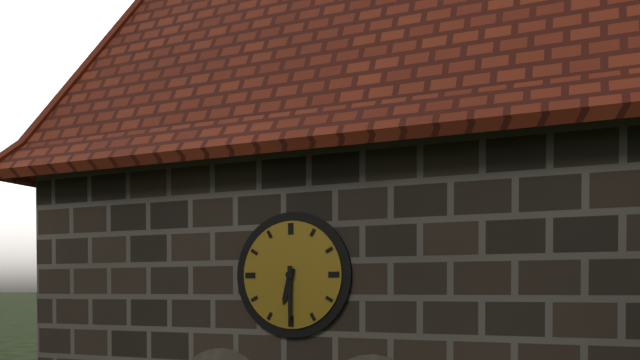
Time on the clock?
6:30
